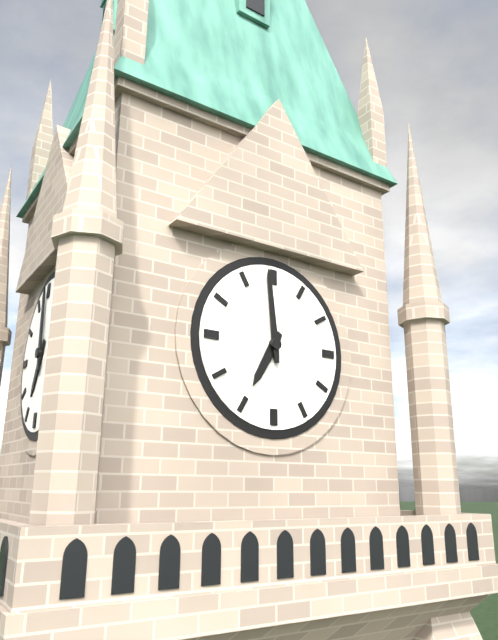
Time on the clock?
6:59
